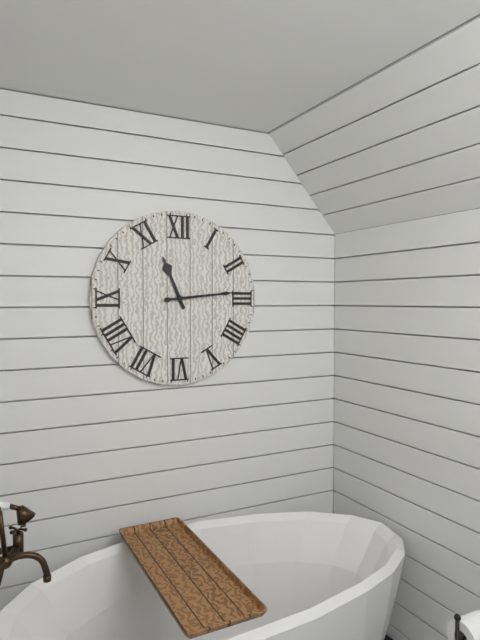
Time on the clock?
11:14
